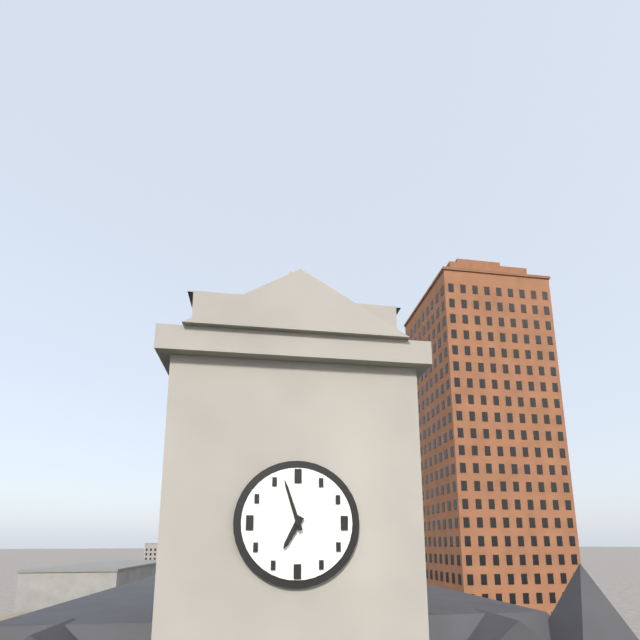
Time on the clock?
6:57
